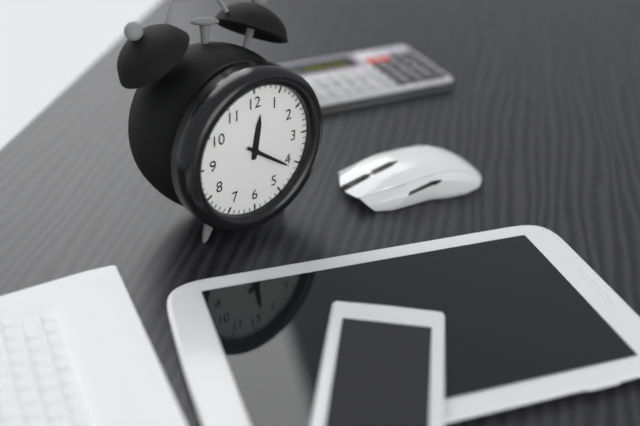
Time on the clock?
12:21
